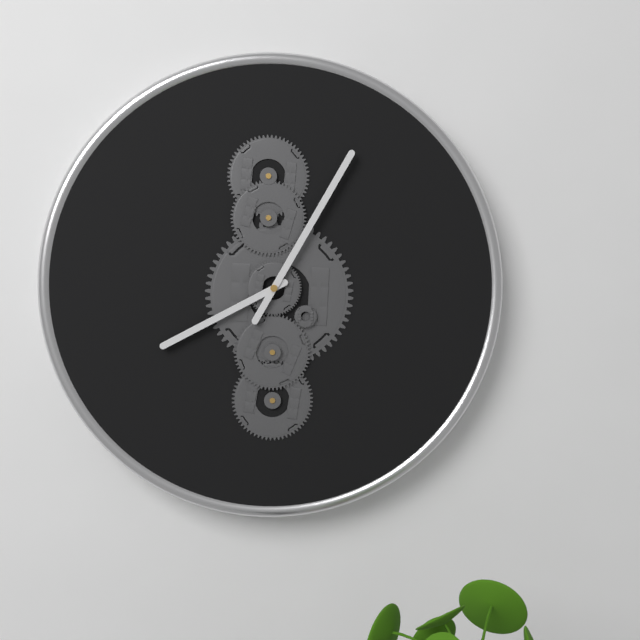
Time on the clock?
8:05
